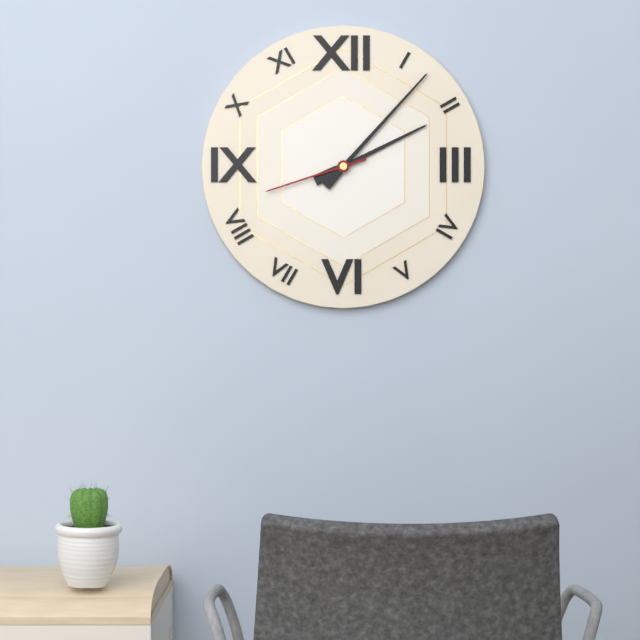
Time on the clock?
2:07:42
